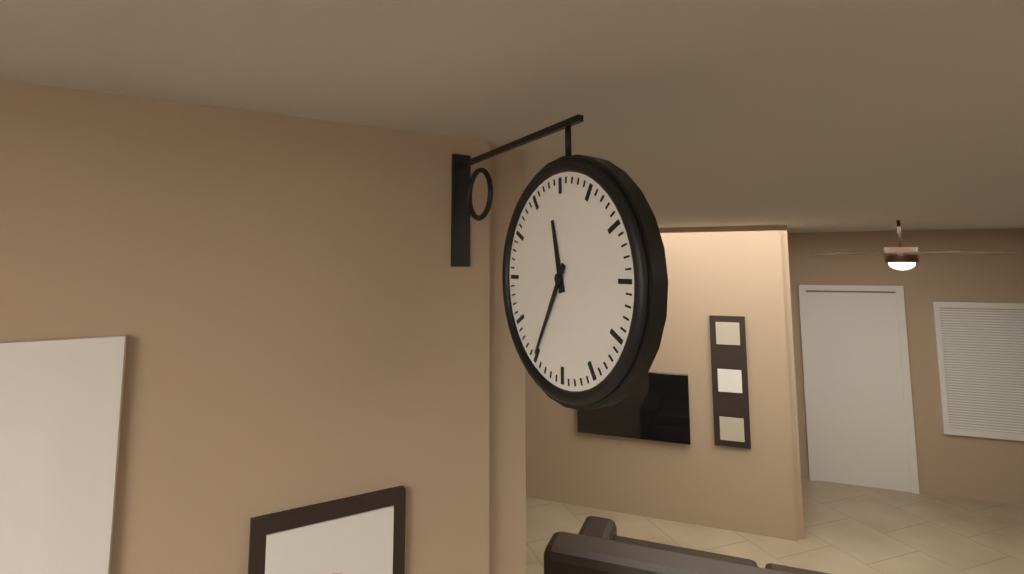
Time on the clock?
11:35
